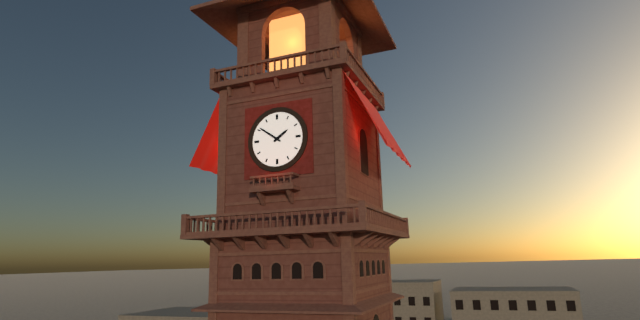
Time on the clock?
1:51
